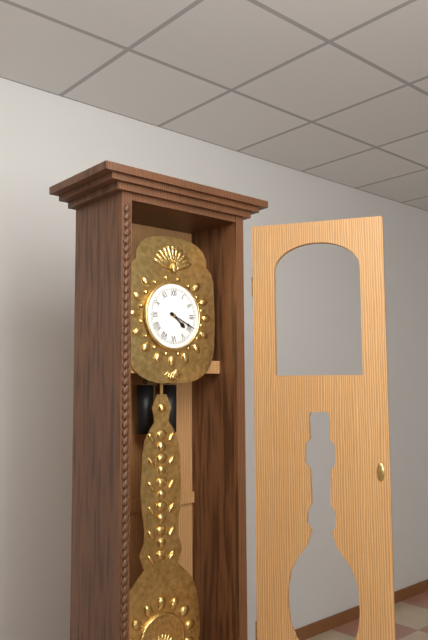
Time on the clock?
4:19
